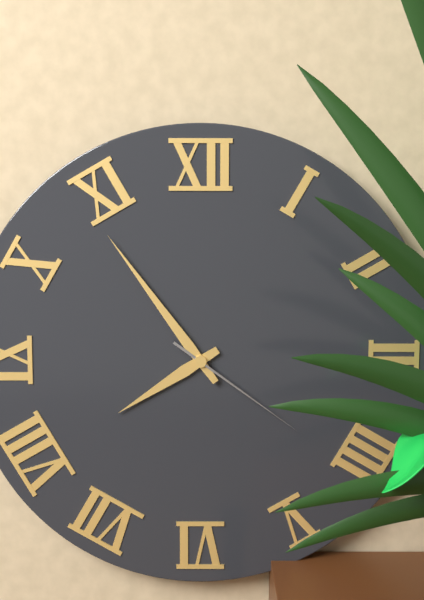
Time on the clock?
7:54:21
